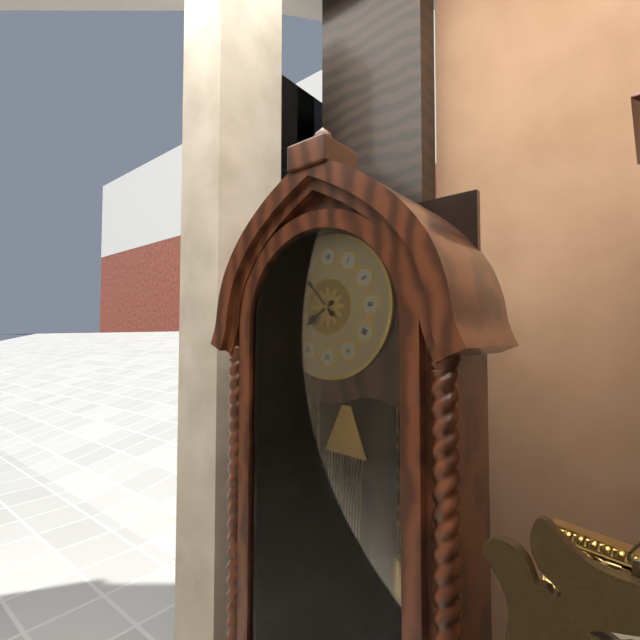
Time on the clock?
7:53
